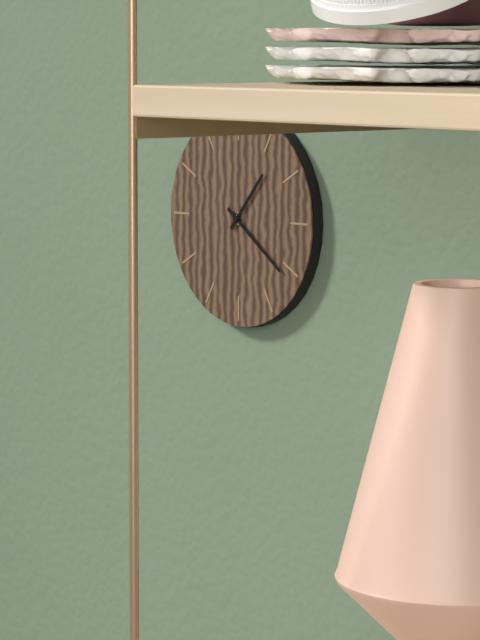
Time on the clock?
1:21
